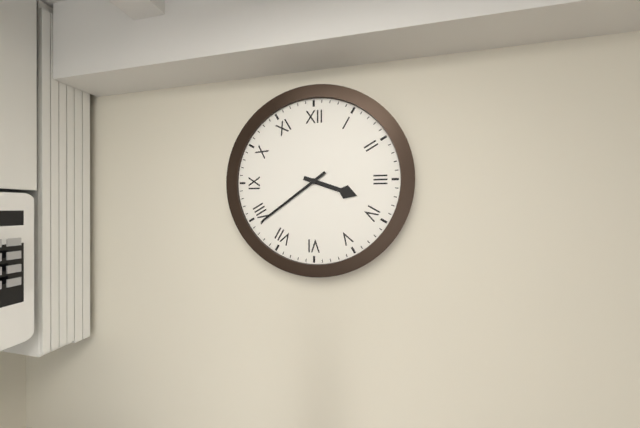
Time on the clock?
3:39
